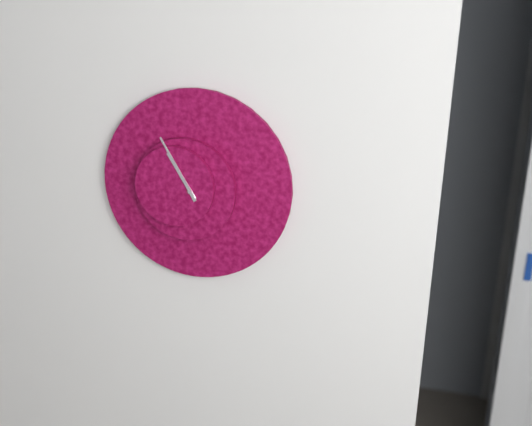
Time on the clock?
10:55
